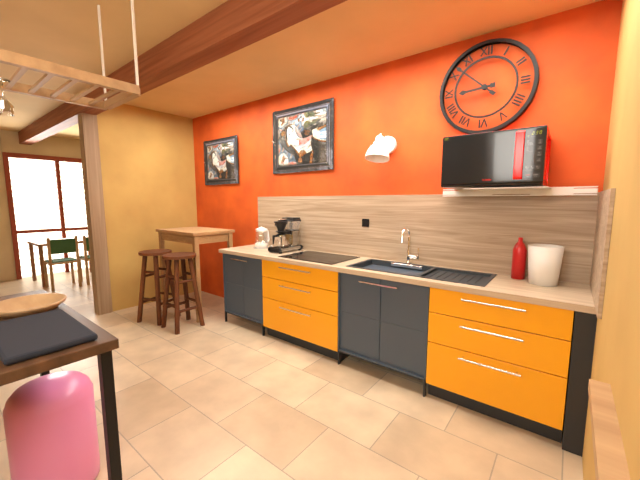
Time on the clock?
8:52
